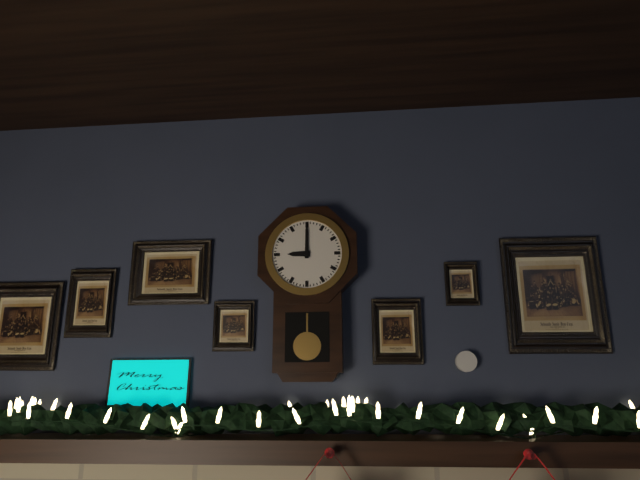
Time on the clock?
9:00
